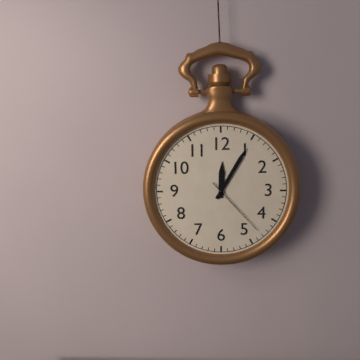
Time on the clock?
12:05:23
